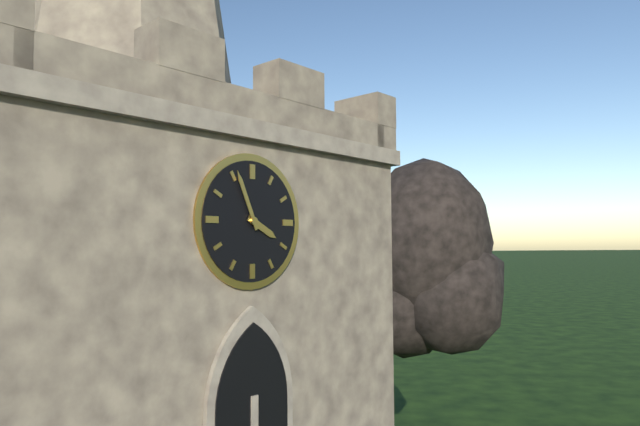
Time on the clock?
3:56
